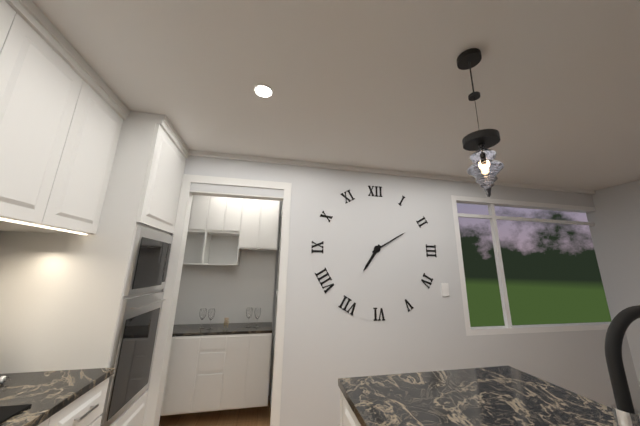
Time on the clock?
7:10
